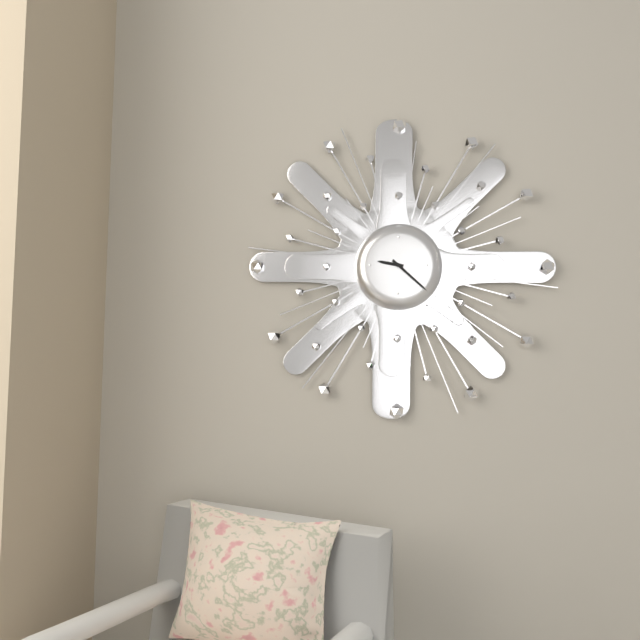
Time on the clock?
9:22
